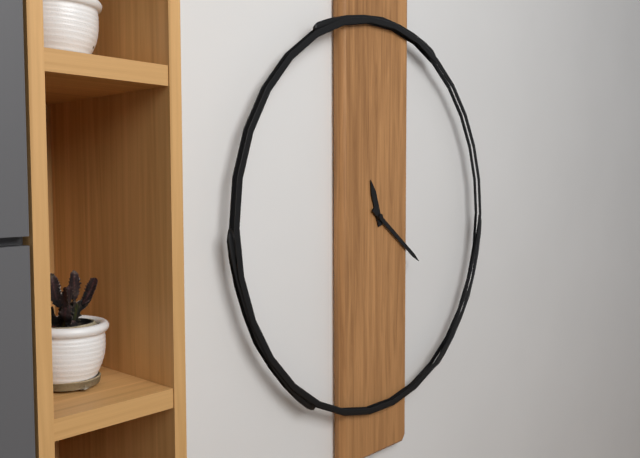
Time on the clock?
11:21
